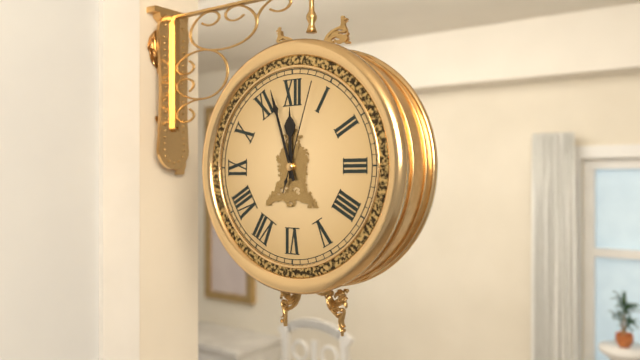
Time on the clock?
11:57:03
